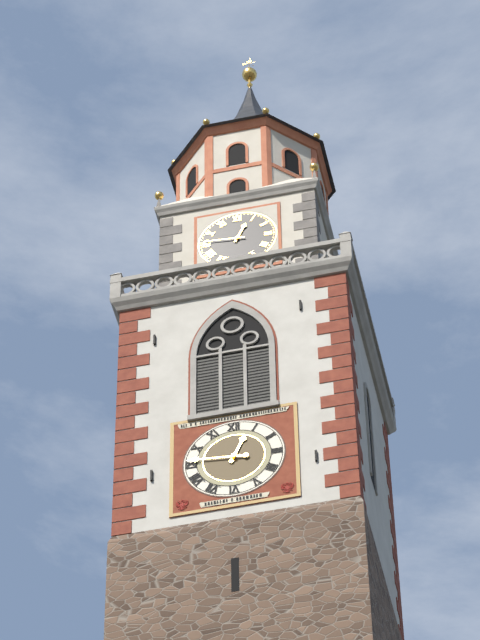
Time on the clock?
12:46
